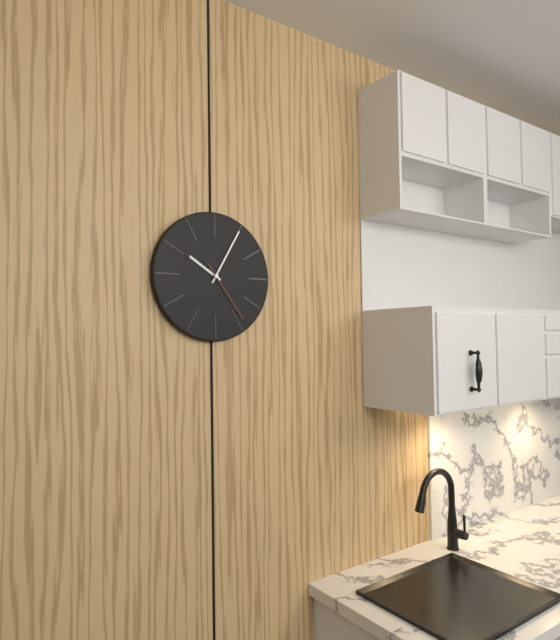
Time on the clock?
10:05:24
